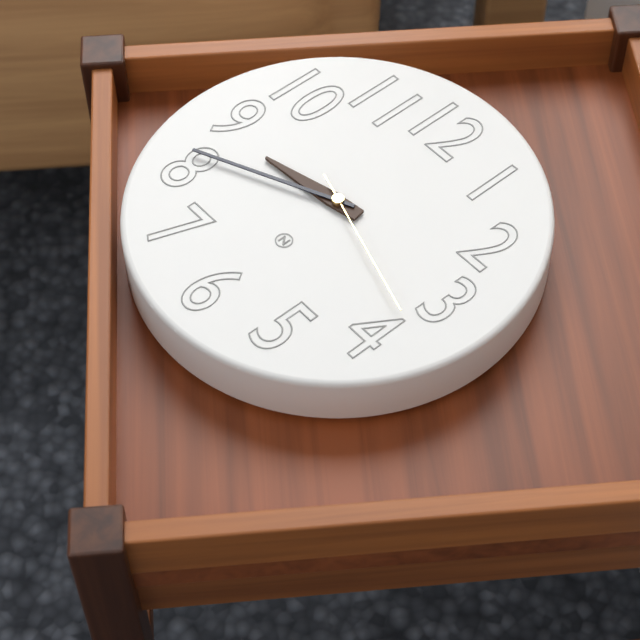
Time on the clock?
8:41:18
